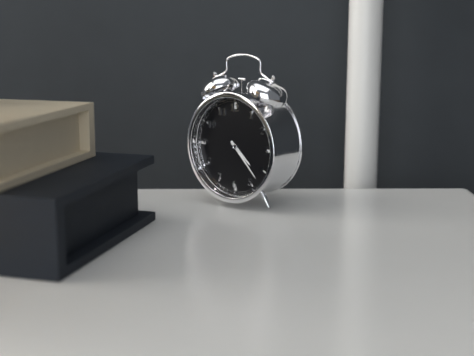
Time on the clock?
4:23
